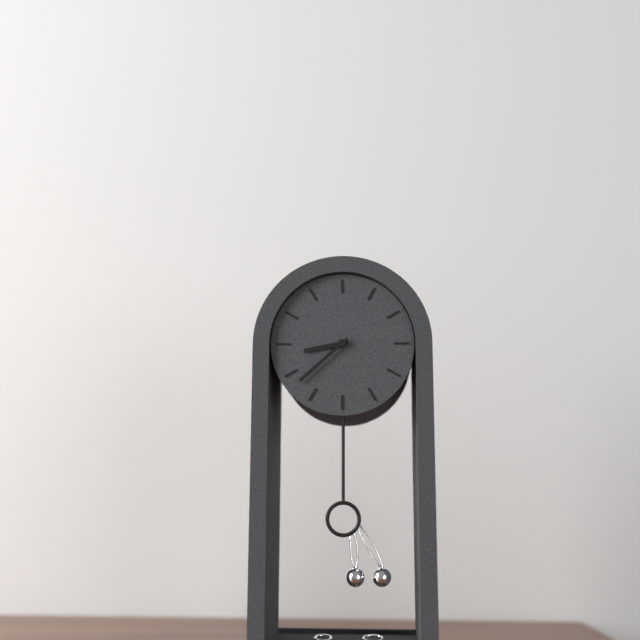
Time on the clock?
8:38
